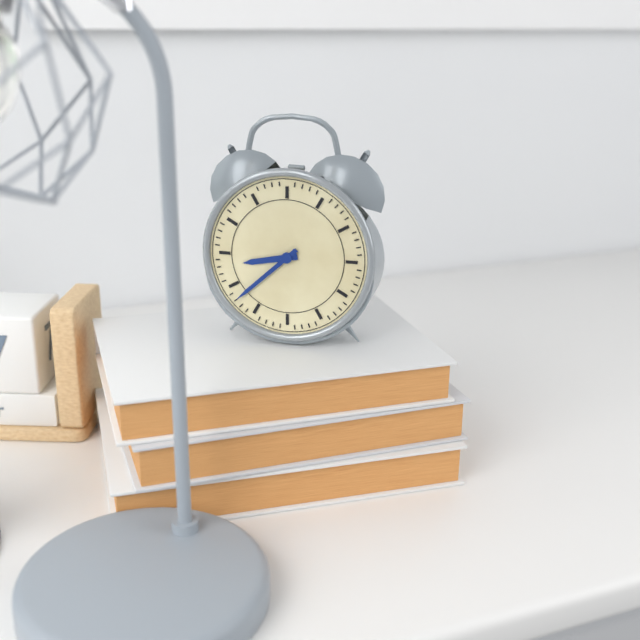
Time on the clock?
8:38
